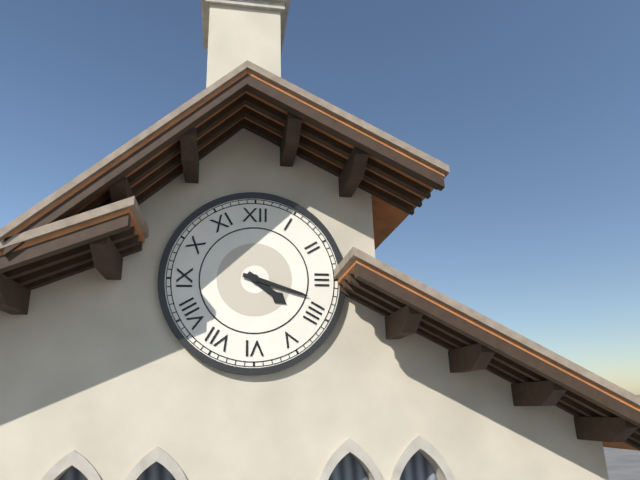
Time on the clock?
4:18
